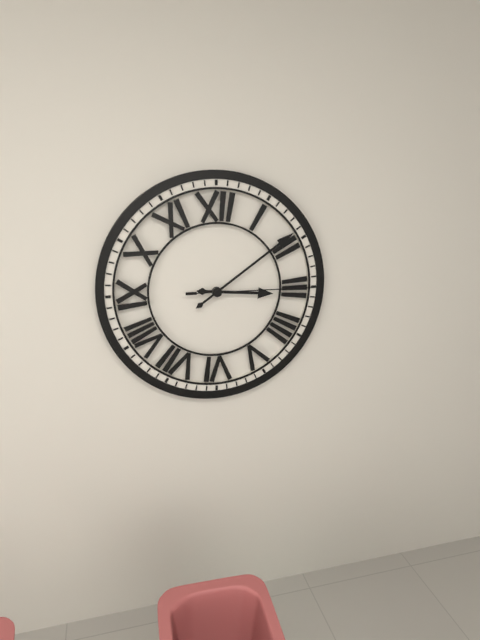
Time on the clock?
3:09:15
